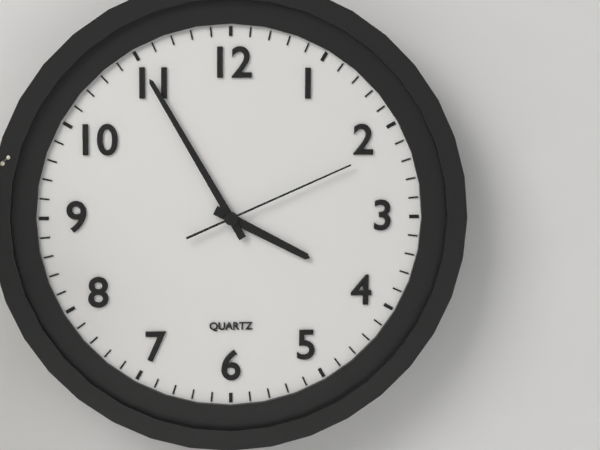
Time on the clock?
3:55:11
